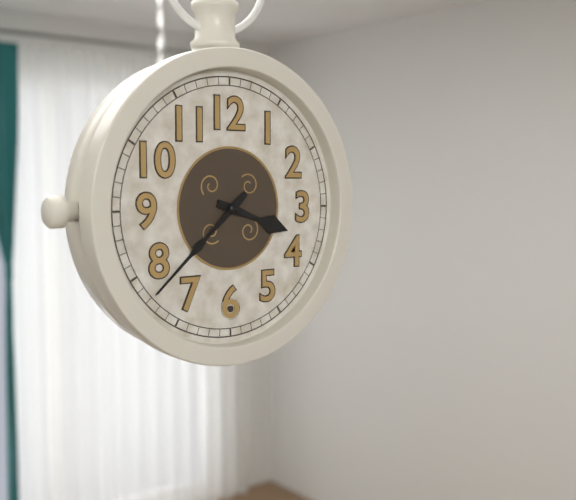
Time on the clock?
3:38
